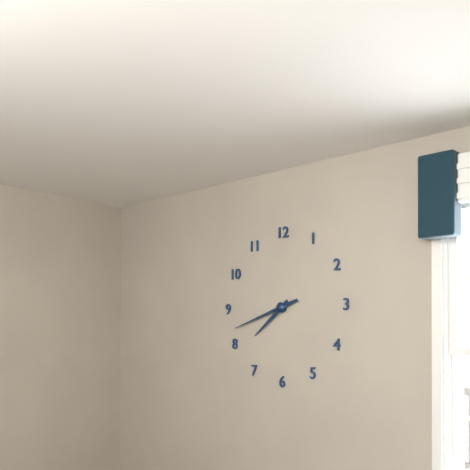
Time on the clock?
7:42
